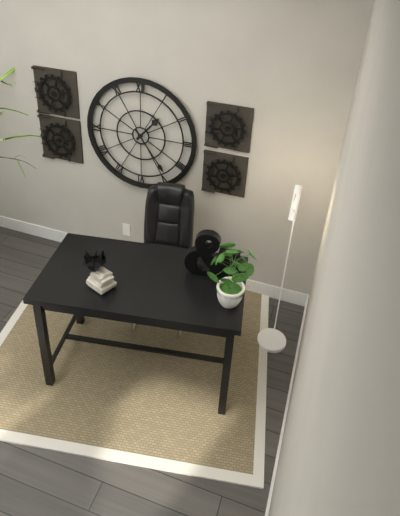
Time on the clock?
1:24
